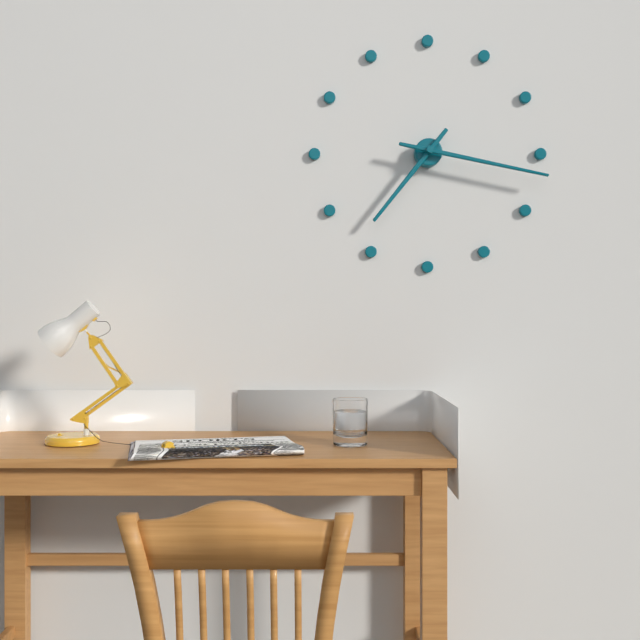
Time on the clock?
7:17
